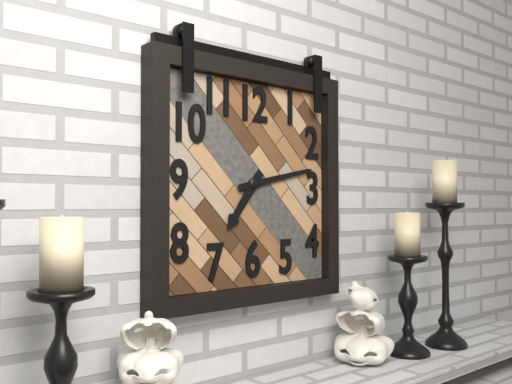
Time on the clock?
7:13
